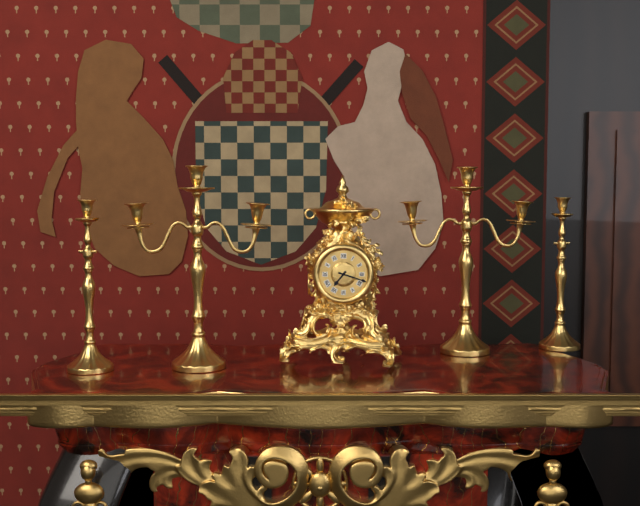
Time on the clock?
7:18
